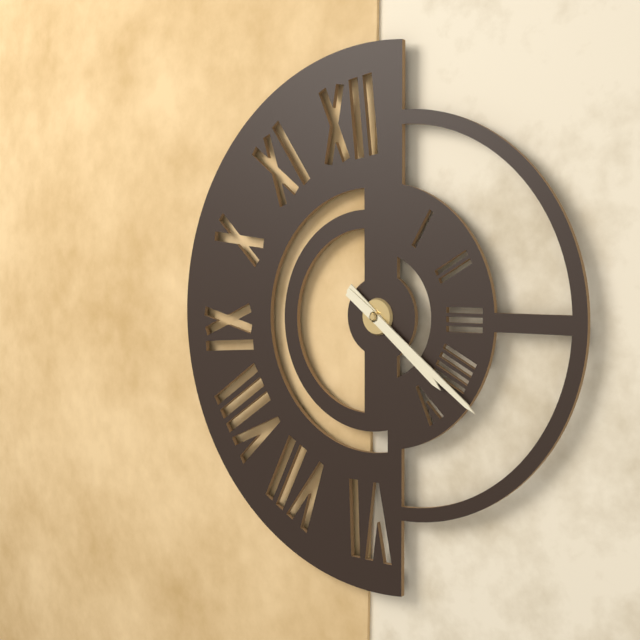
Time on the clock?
4:21
